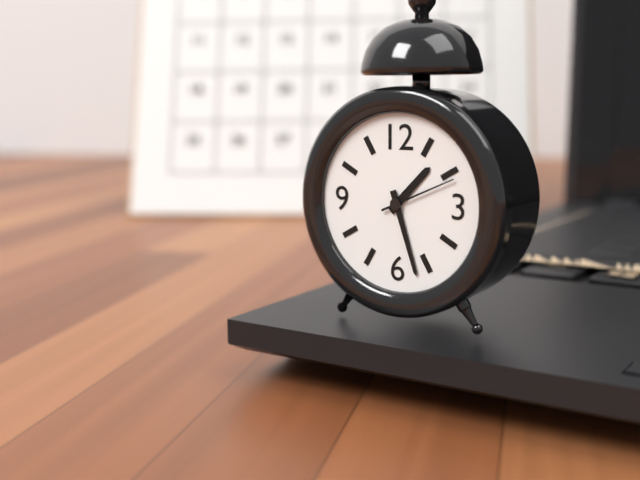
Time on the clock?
1:27:11
